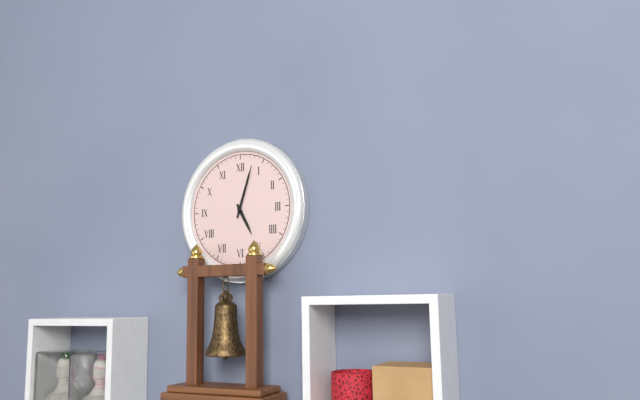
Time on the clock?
5:03
